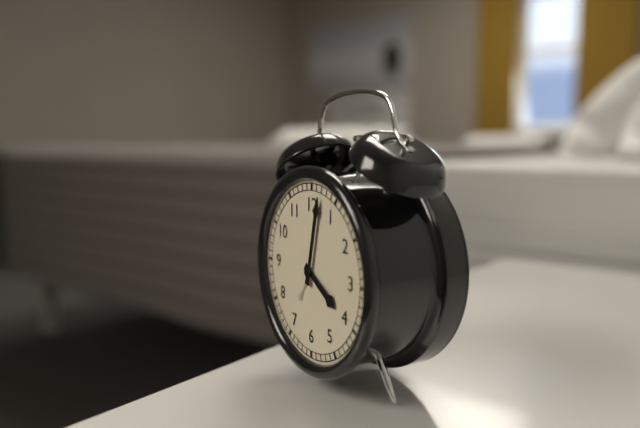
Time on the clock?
4:02
